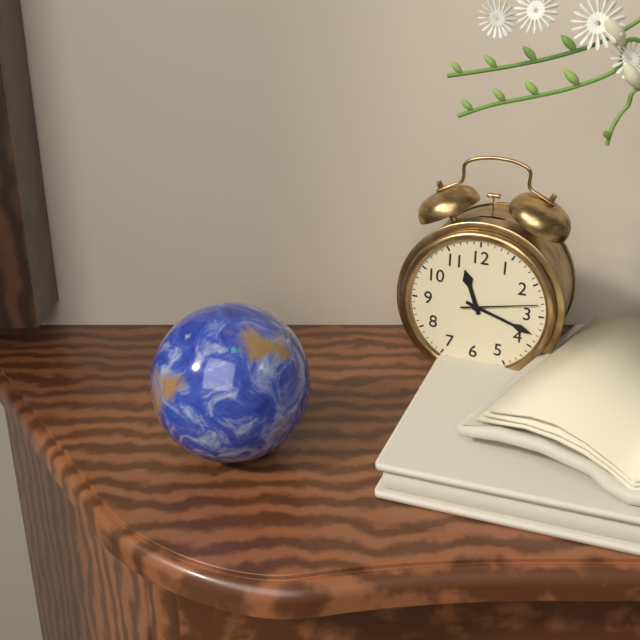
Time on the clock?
11:18:13
